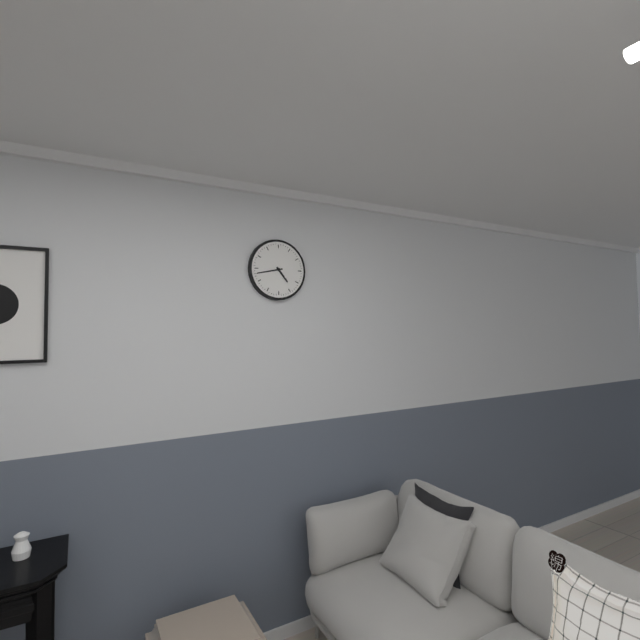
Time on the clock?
4:43
